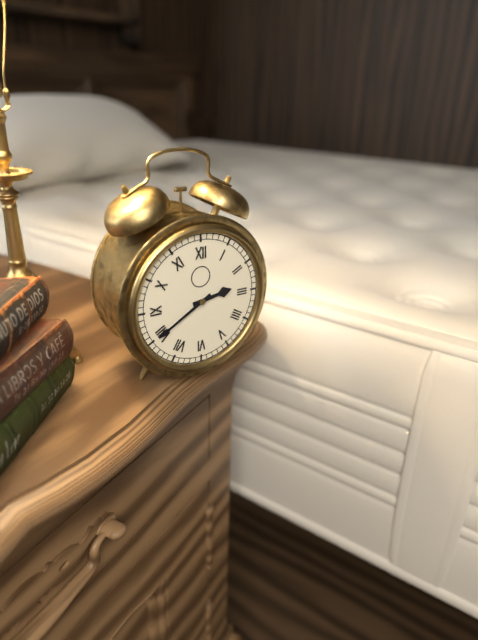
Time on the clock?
2:40
